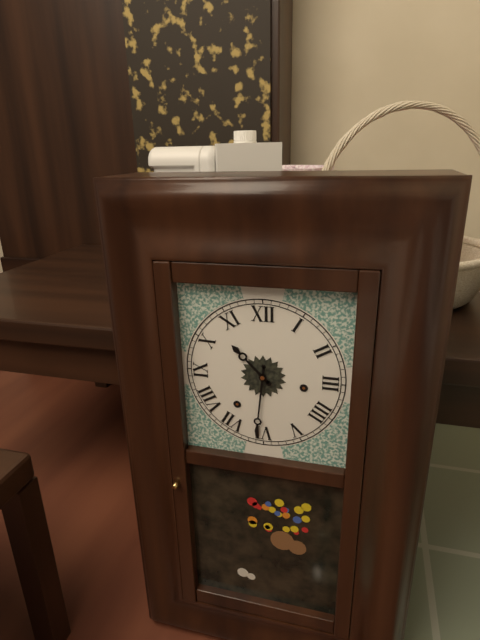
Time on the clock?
10:31
